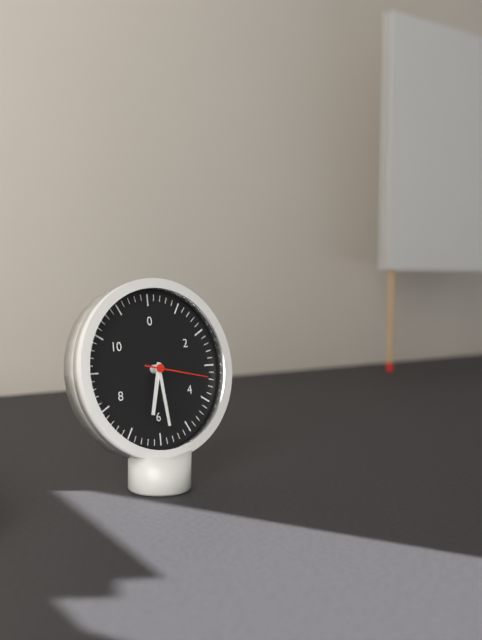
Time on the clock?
6:29:17
